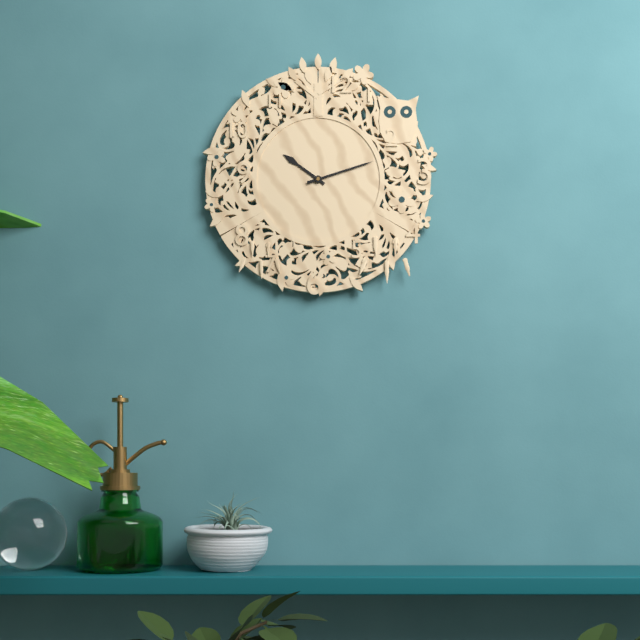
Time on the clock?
10:12
